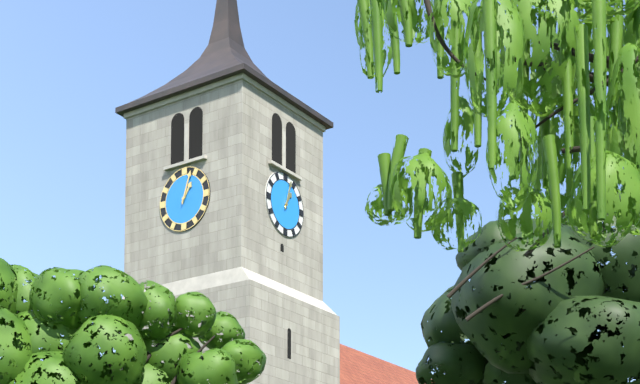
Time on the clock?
1:03
